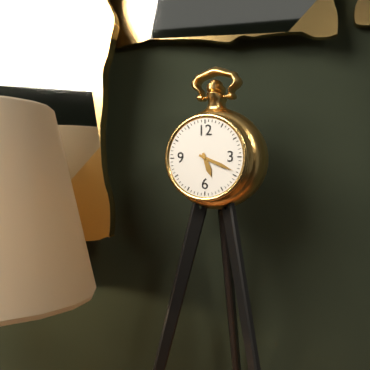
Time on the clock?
5:19
